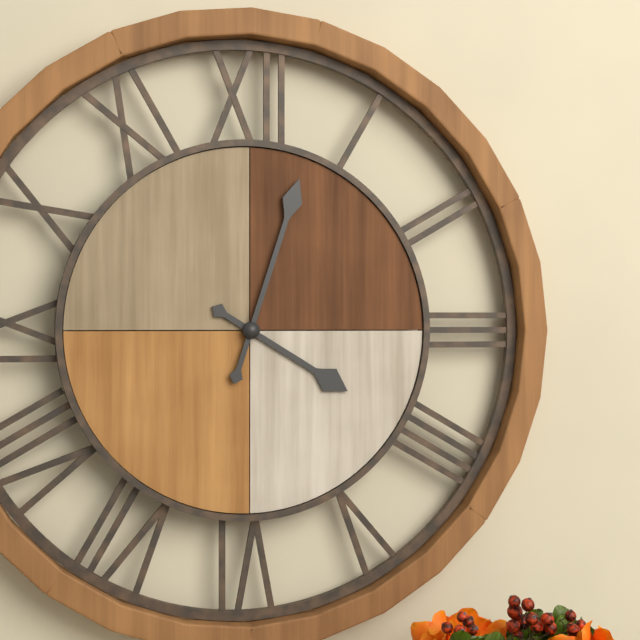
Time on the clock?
4:03
